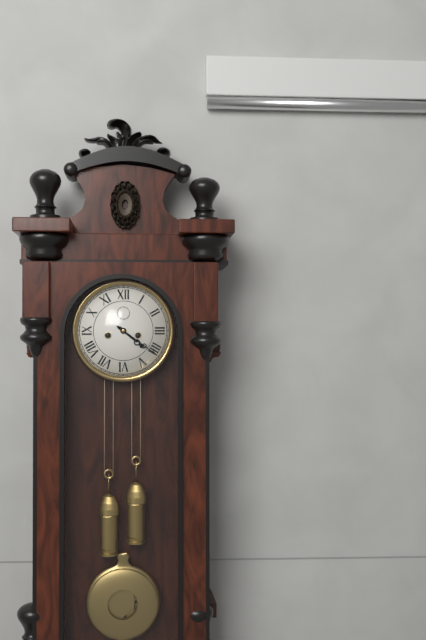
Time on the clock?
4:21
